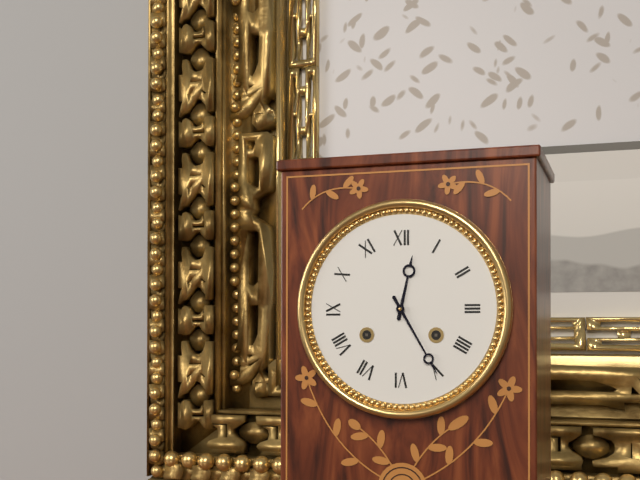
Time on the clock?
12:25
